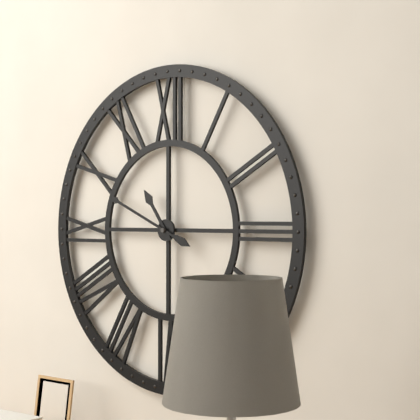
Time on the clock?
10:49
